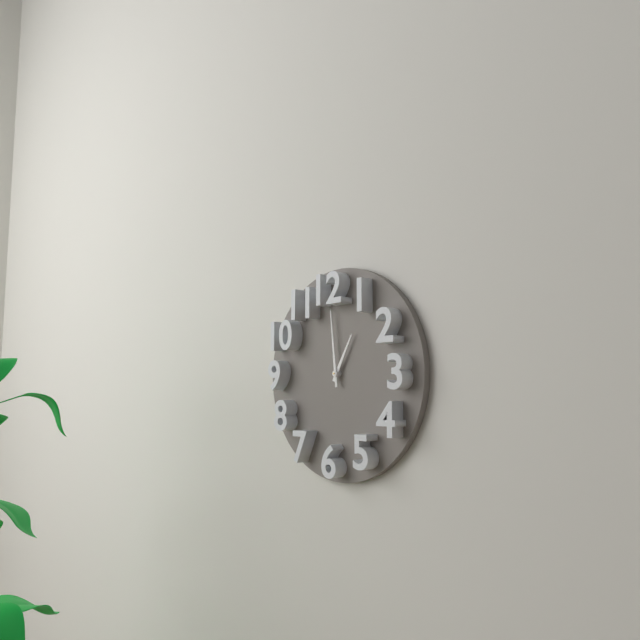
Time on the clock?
12:59
